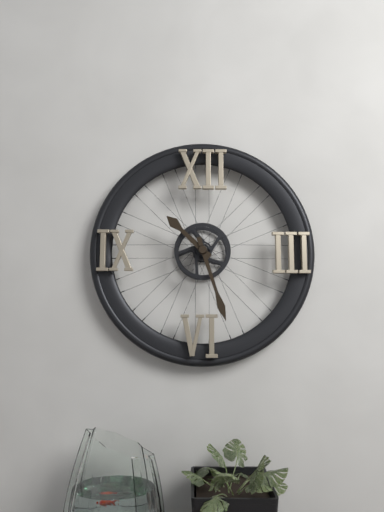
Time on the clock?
10:27
